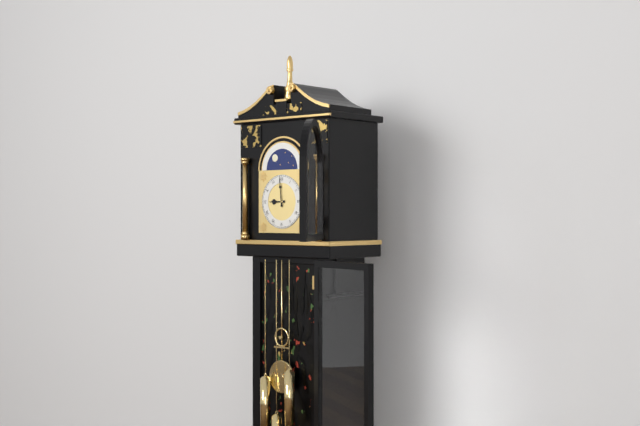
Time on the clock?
8:59
